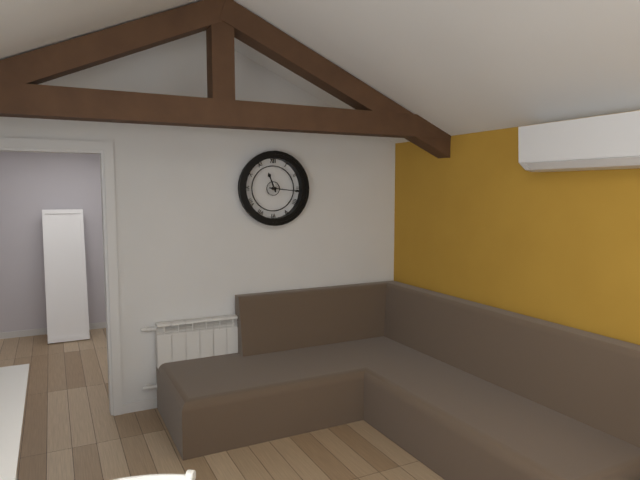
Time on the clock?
11:16
